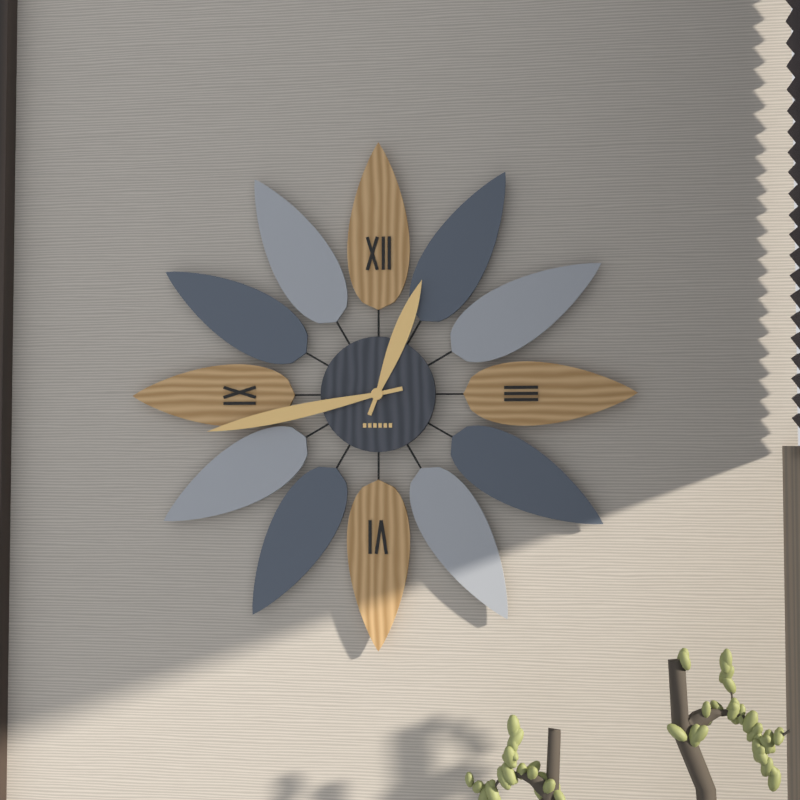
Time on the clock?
12:43
